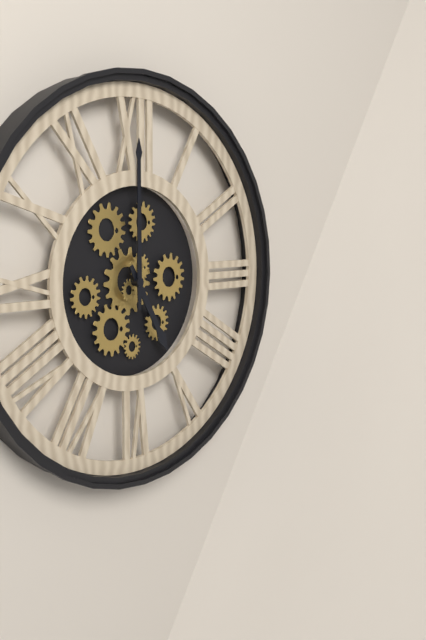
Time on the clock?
5:00
